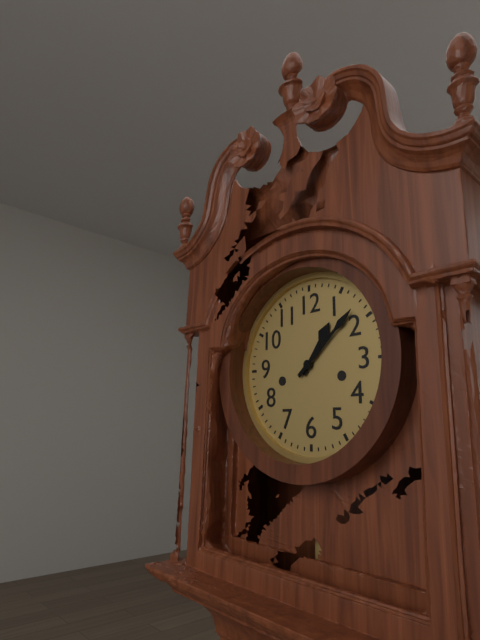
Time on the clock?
1:08
